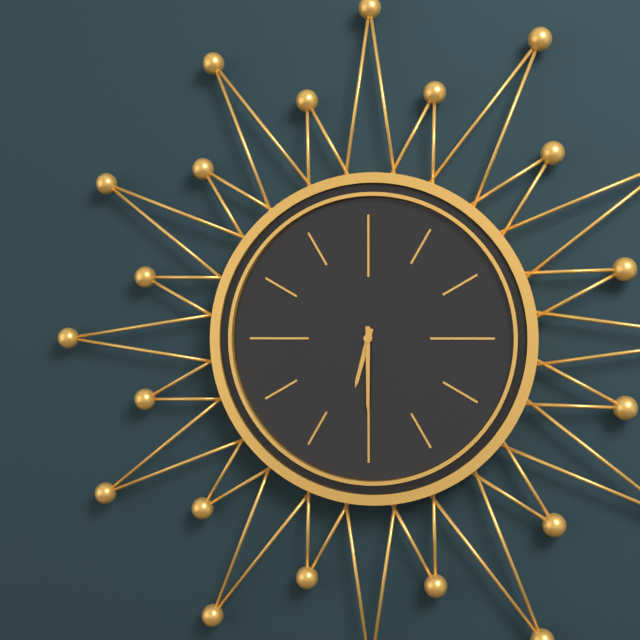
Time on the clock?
6:30
